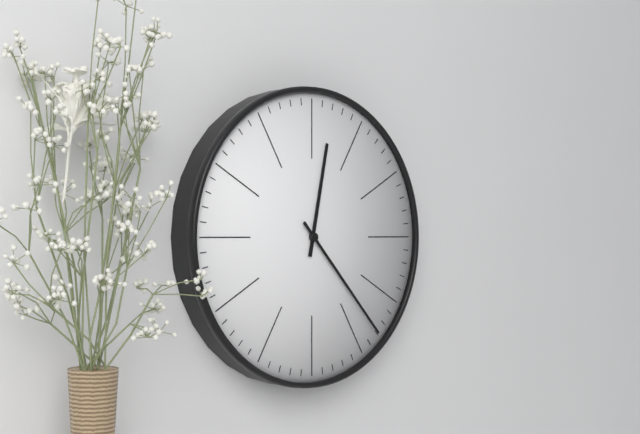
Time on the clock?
12:23
